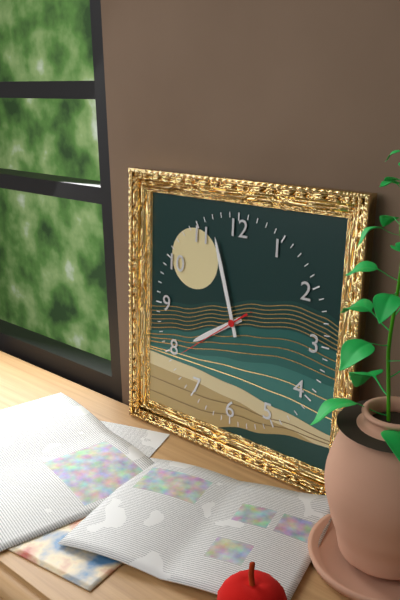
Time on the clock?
7:57:39
